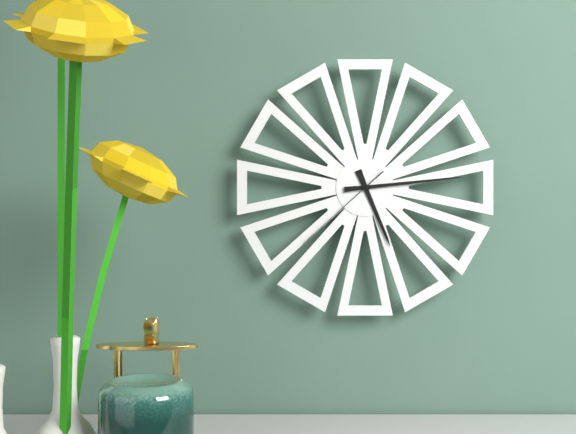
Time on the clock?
5:14:38
